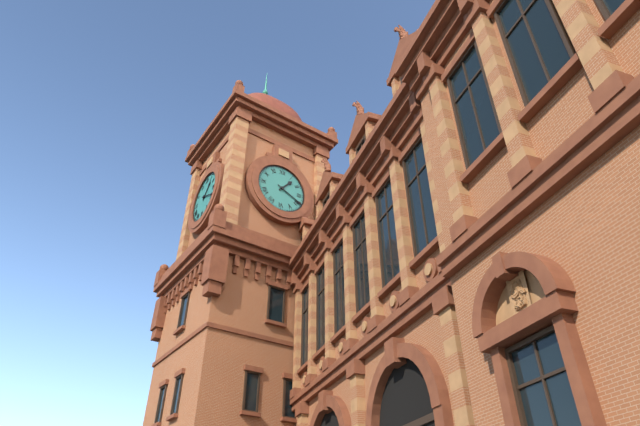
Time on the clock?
1:19
